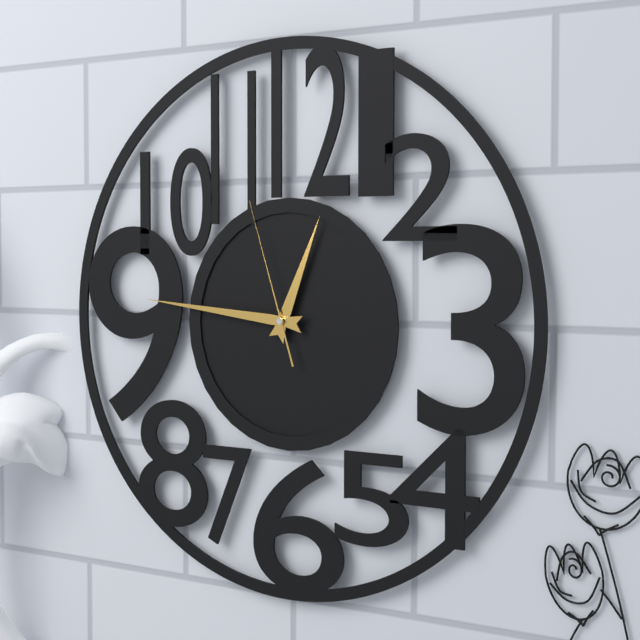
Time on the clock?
12:46:57
